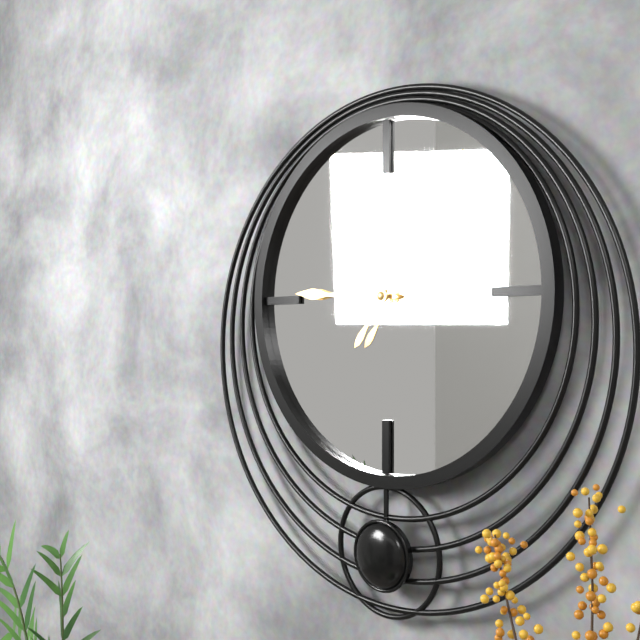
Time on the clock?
9:06
